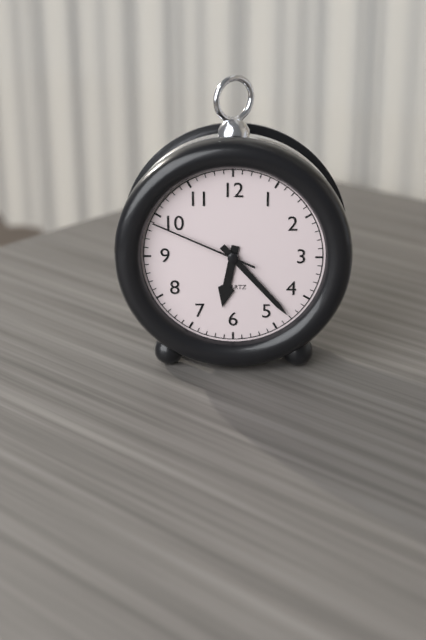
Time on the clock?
6:23:49
